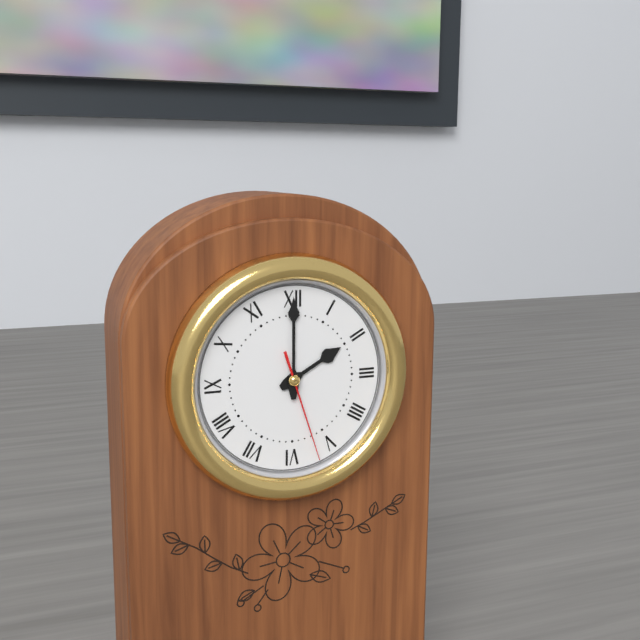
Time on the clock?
2:00:27
